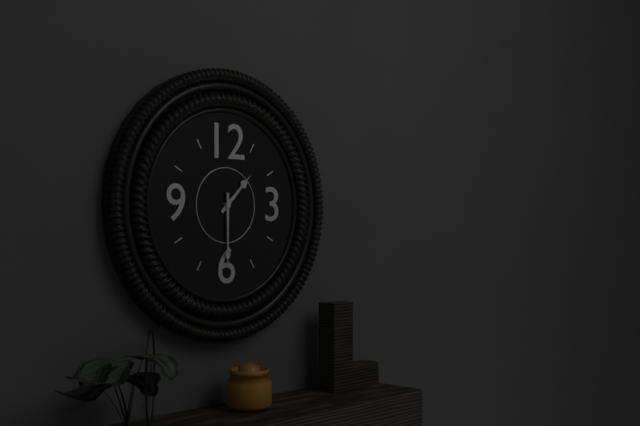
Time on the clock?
1:30
